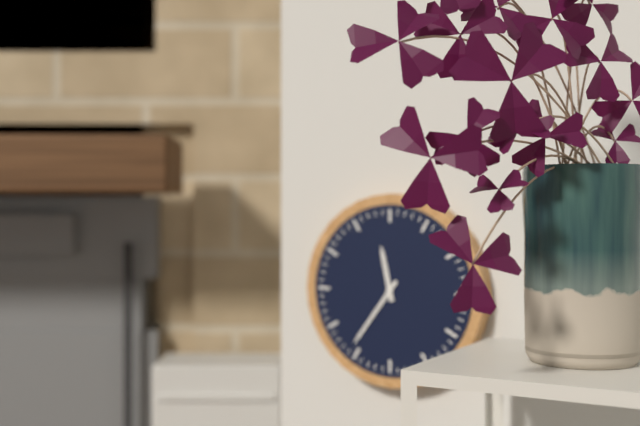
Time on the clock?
11:36
